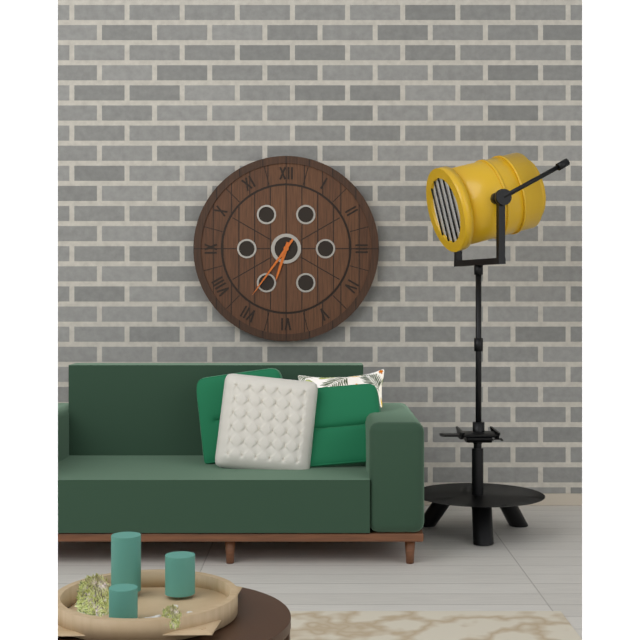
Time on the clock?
6:36
